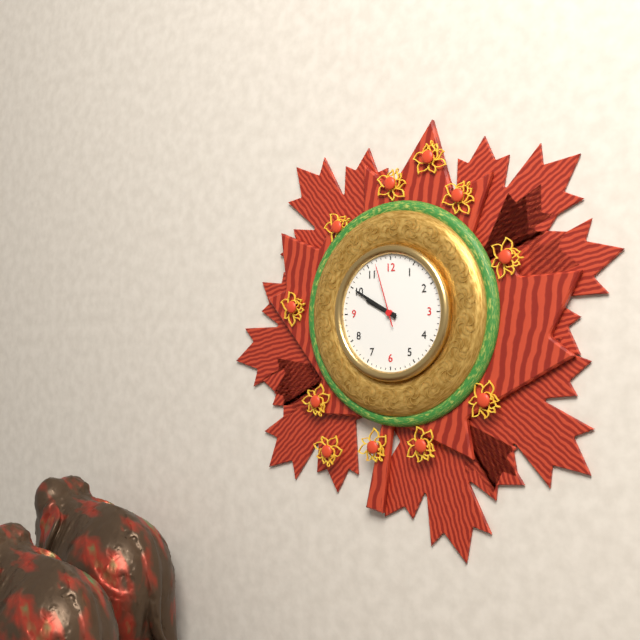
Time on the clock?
9:50:57
